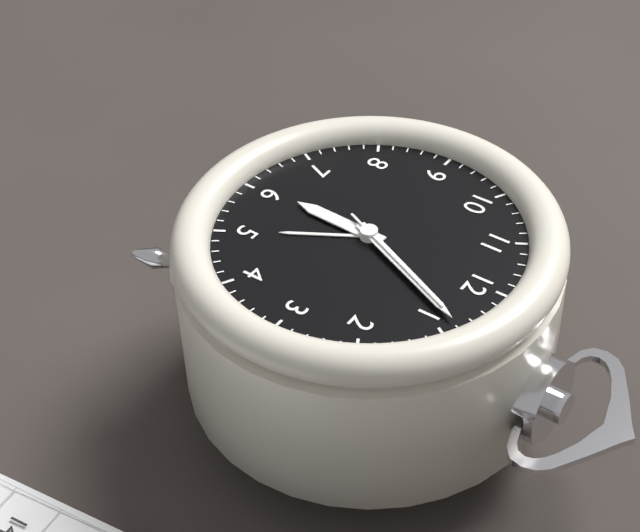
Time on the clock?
6:04:04
